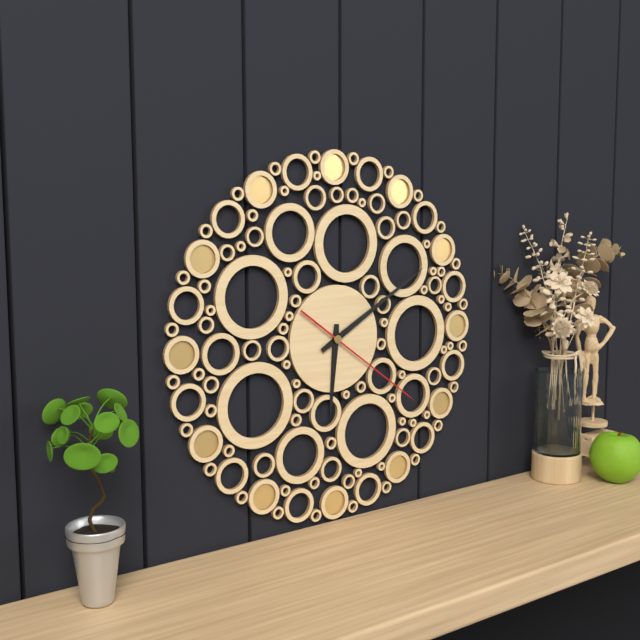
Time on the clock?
6:10:21
